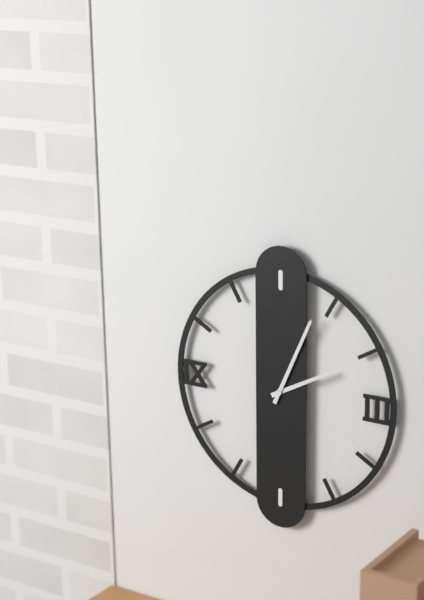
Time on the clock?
2:04
